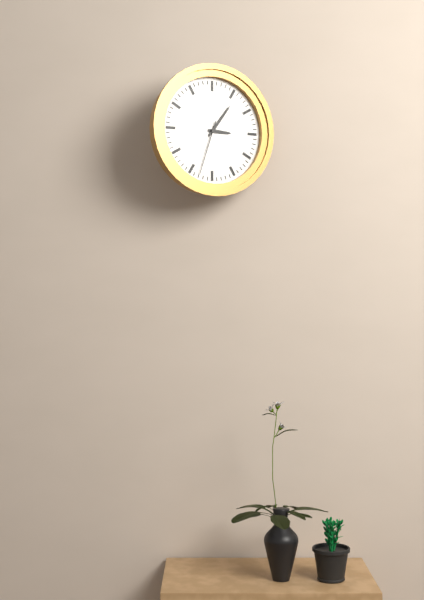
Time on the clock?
3:06:33
